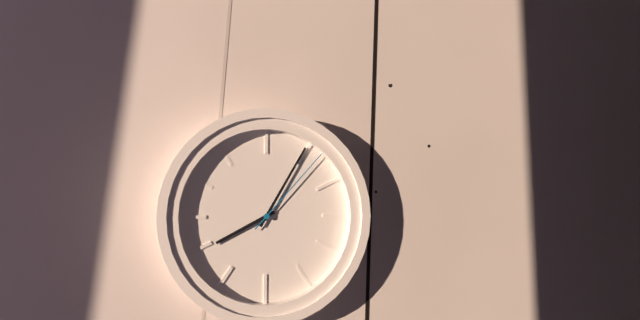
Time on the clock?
8:05:07
